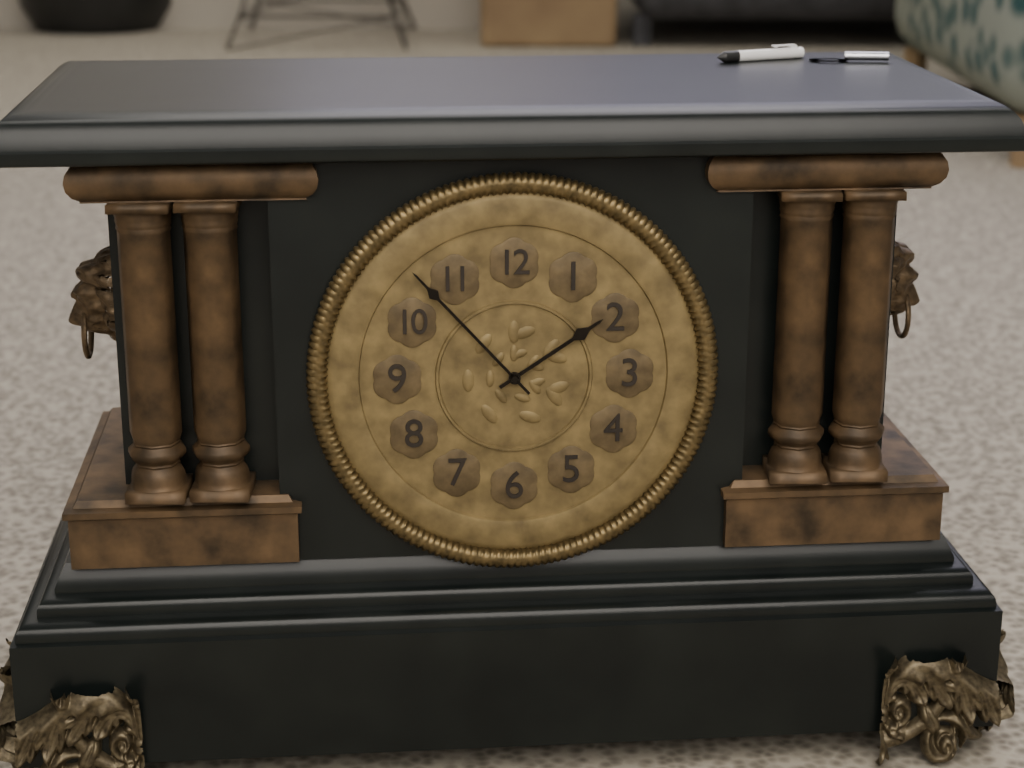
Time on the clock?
1:53
